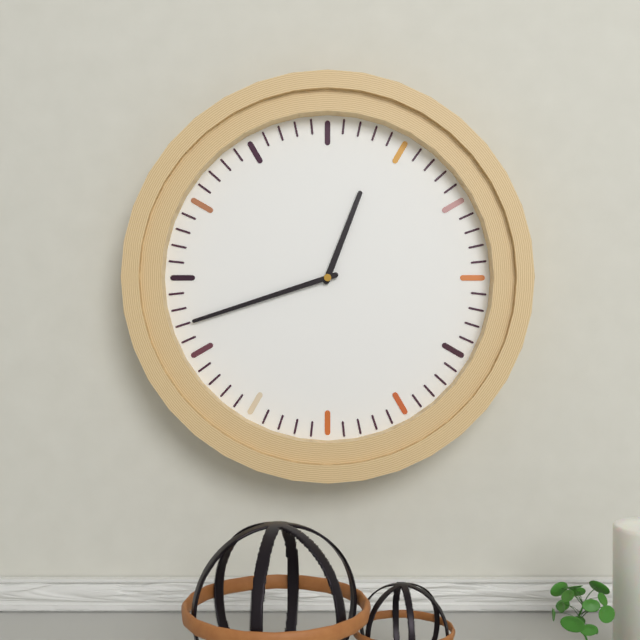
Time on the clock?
12:42
